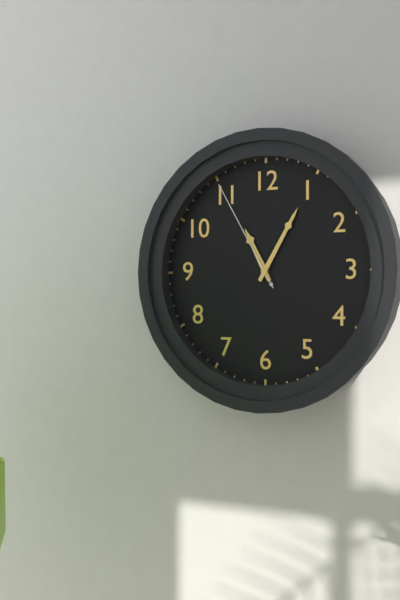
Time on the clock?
11:05:55
